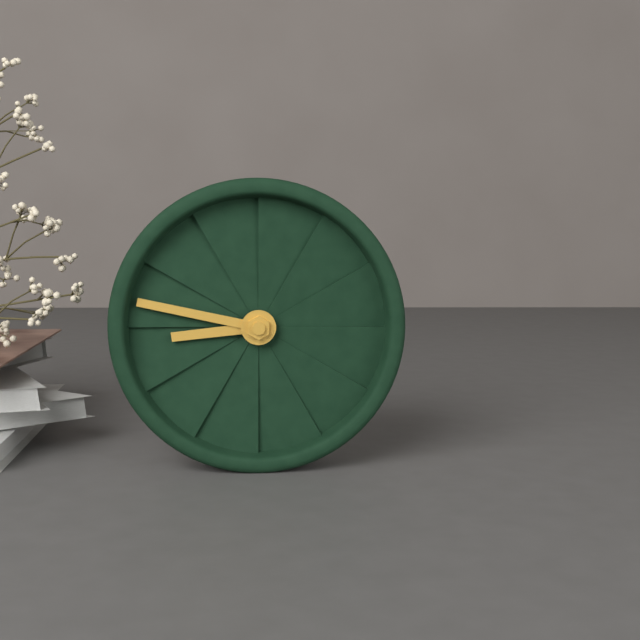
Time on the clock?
8:47
